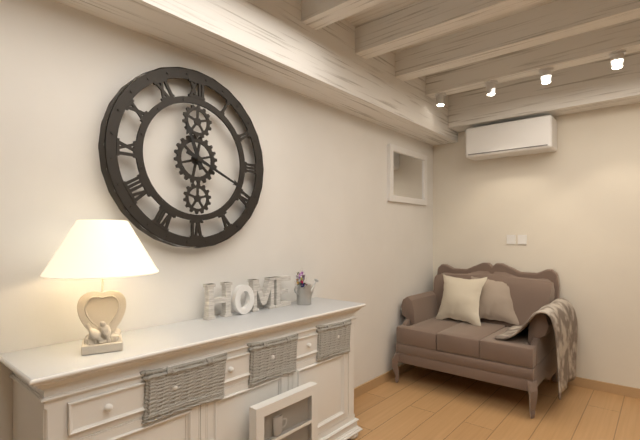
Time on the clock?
11:19
